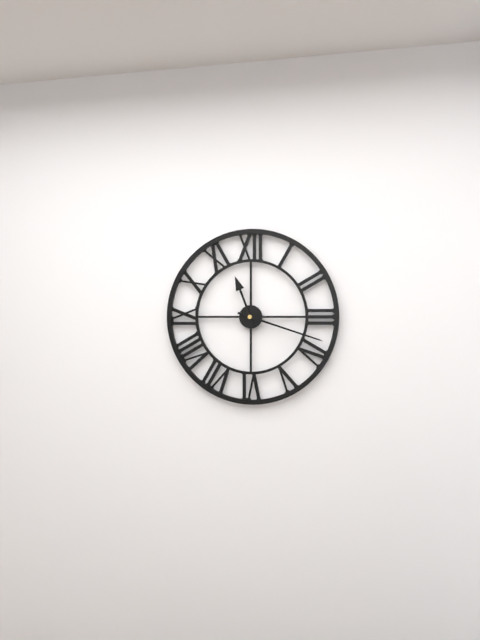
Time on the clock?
11:18
